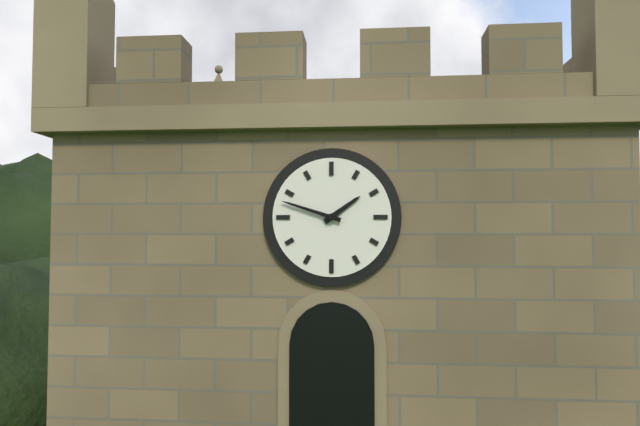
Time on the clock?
1:48
